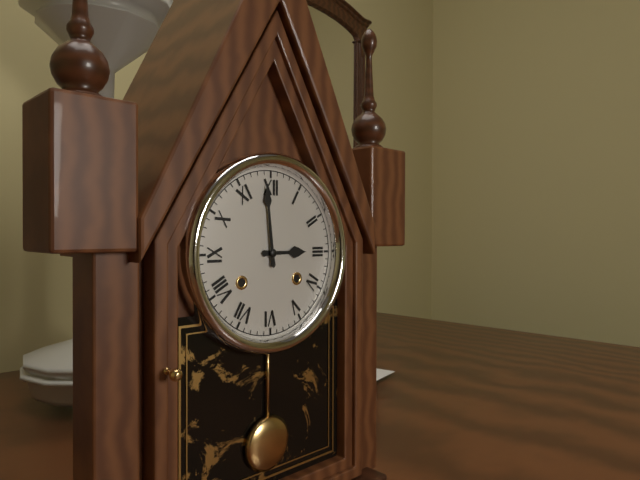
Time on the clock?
2:59
